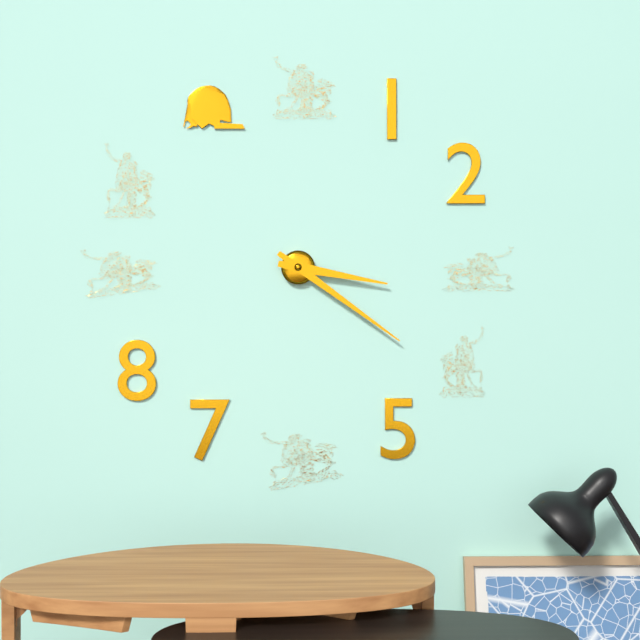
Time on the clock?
3:21
